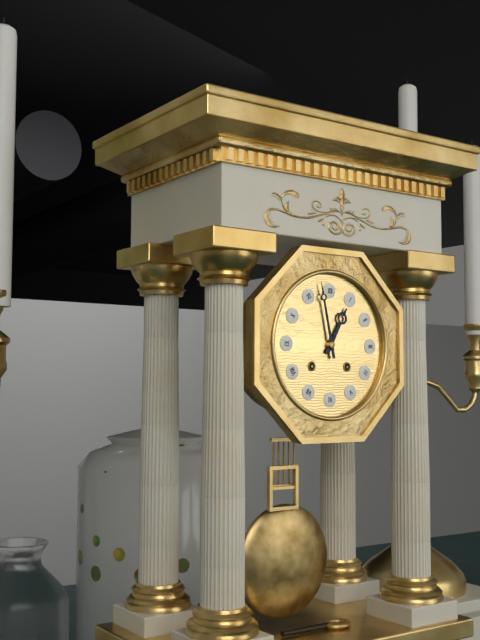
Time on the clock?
12:58
